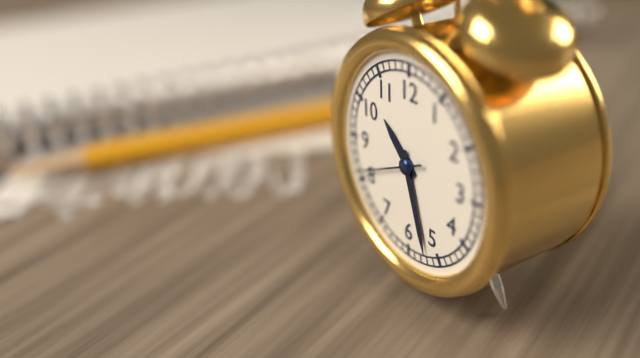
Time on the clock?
10:27:41
